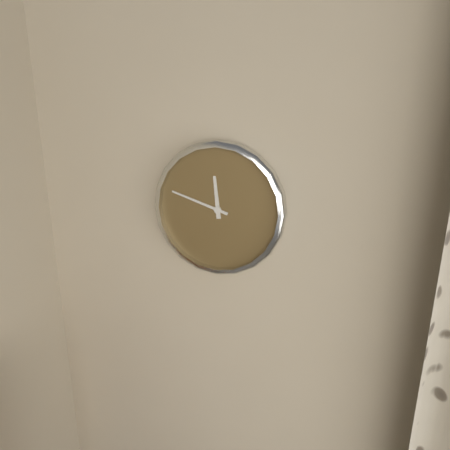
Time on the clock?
11:48
